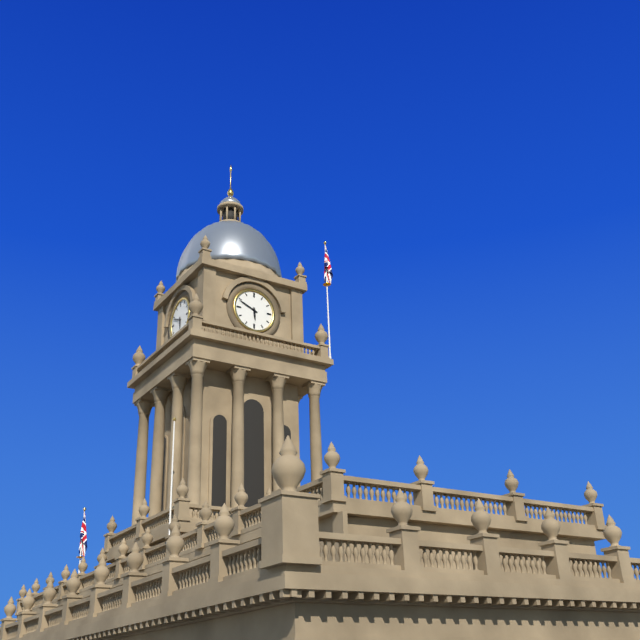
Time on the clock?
5:49
